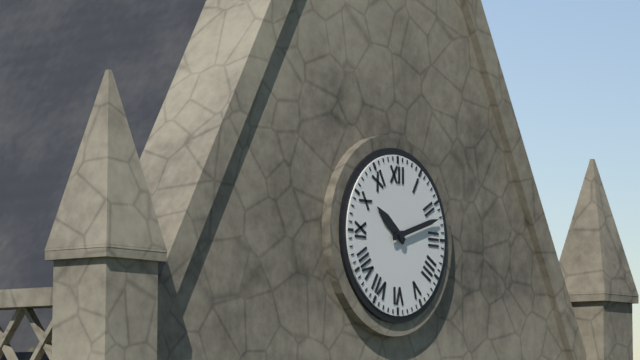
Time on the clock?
10:12
